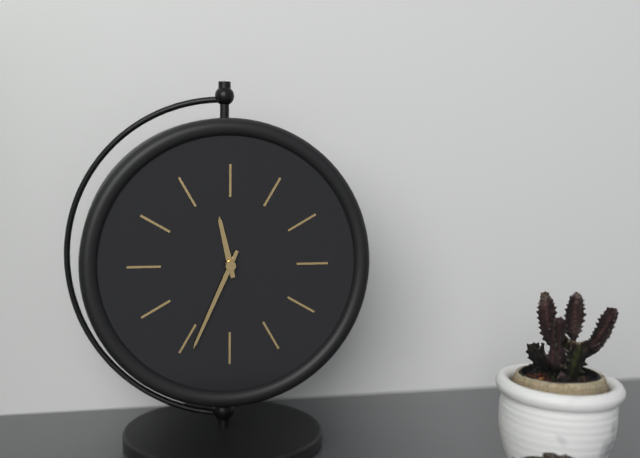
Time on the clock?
11:34
